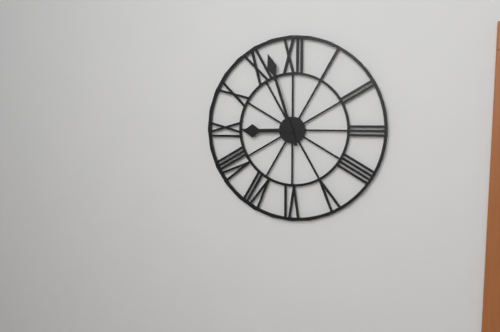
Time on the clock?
8:57
